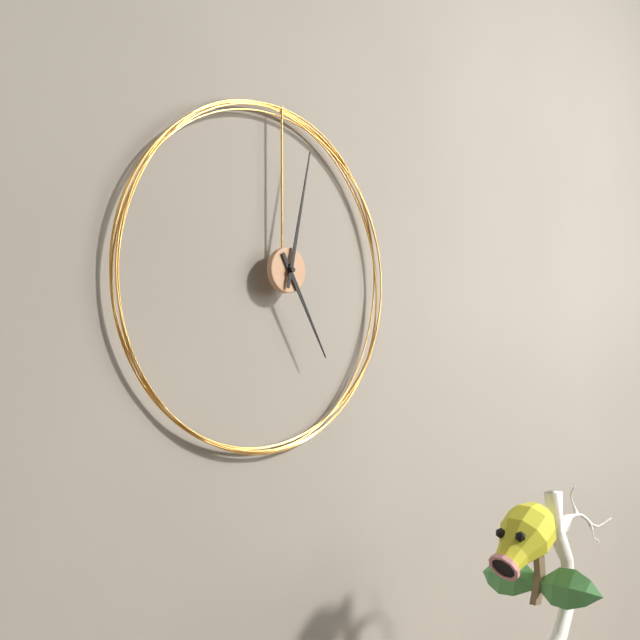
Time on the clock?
5:02
